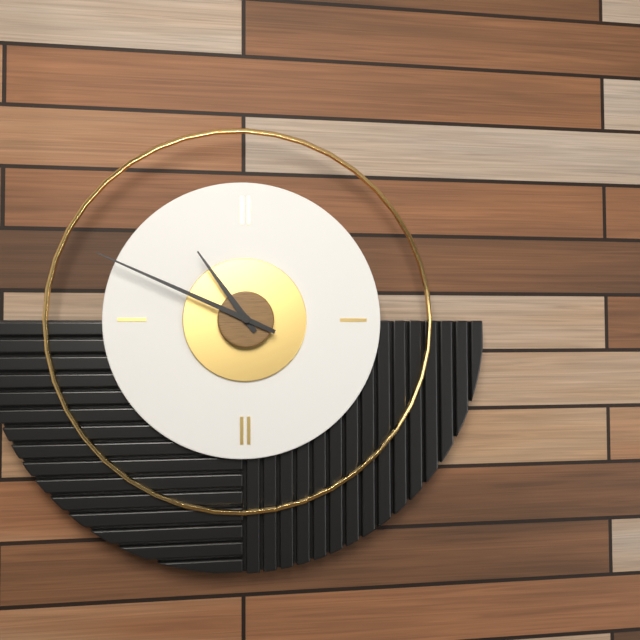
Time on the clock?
10:49
